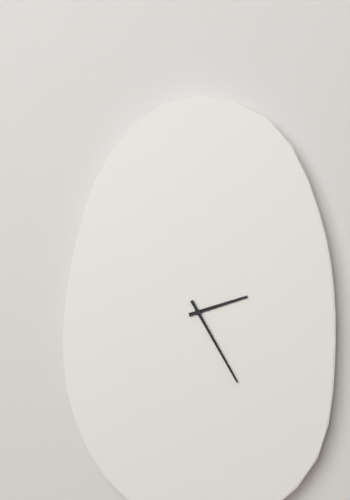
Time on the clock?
2:25
